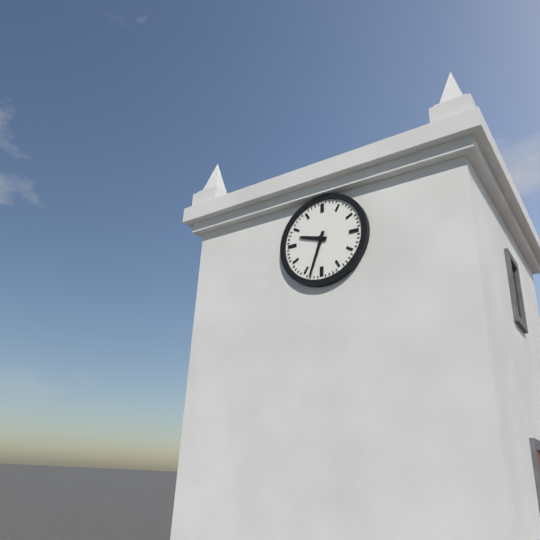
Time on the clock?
9:33
